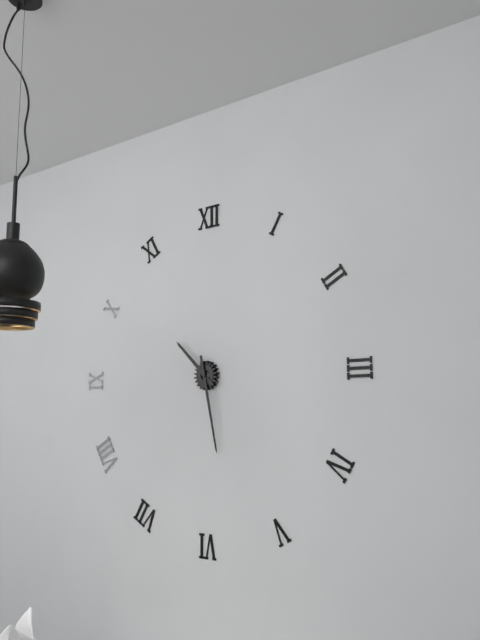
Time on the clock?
10:28
